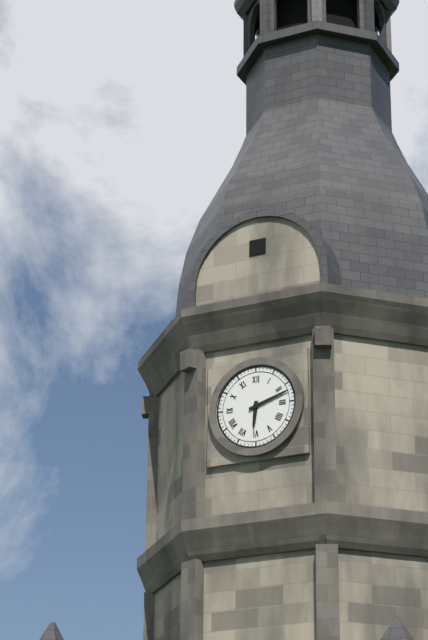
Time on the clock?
6:12
